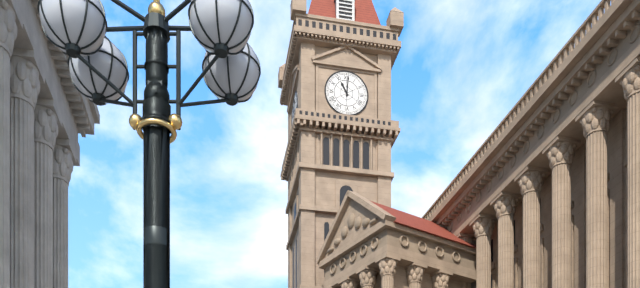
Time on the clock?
11:01
